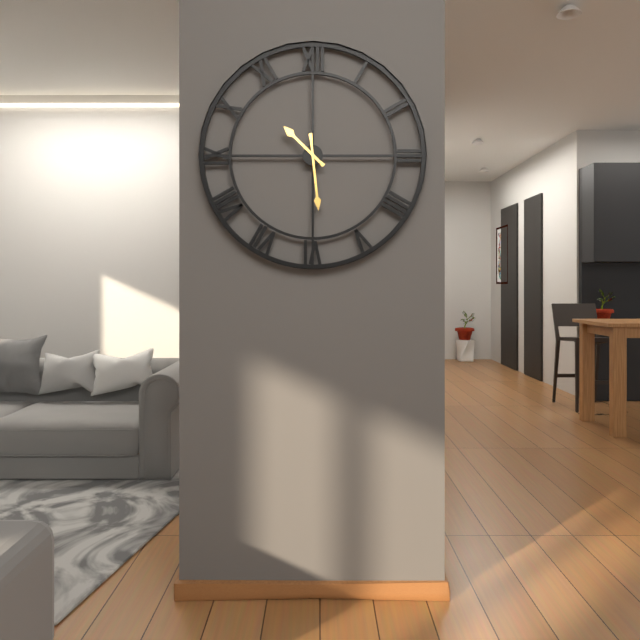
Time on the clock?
10:29
